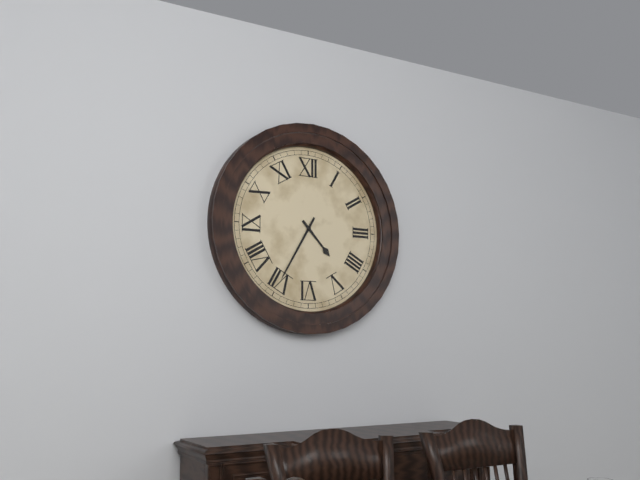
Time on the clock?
4:35
